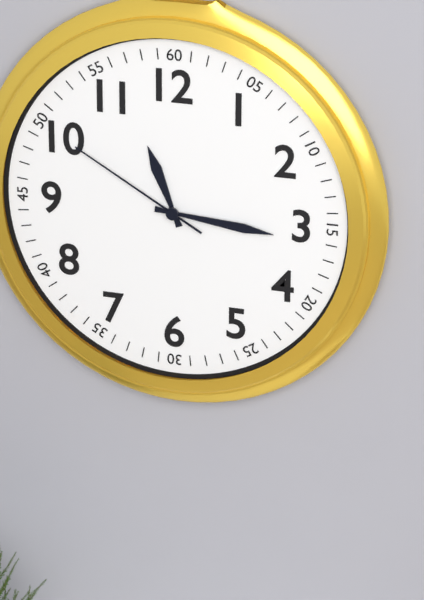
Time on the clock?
11:16:50
